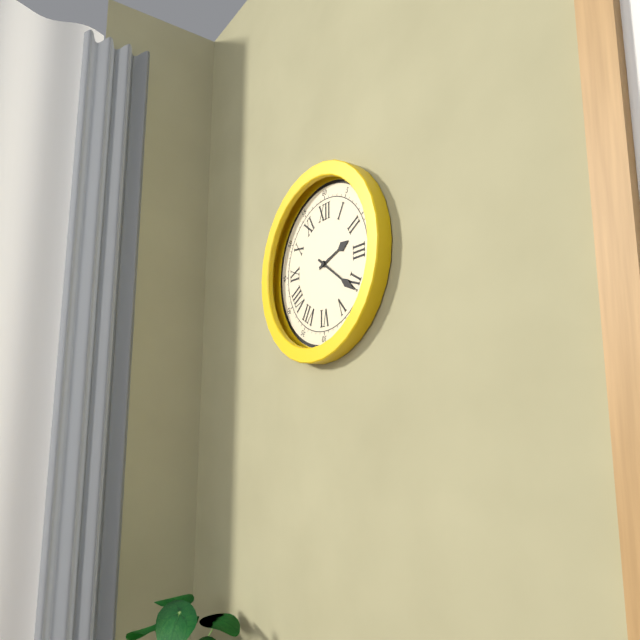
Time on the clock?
2:21
